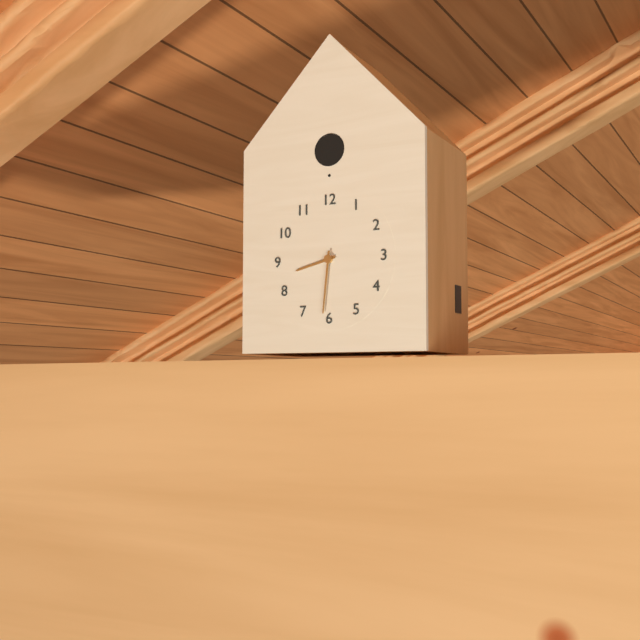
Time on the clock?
8:31
